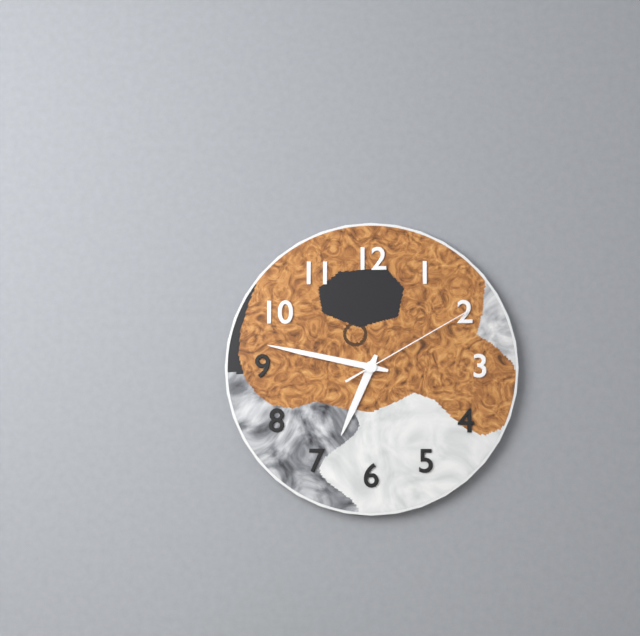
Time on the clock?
6:47:10
